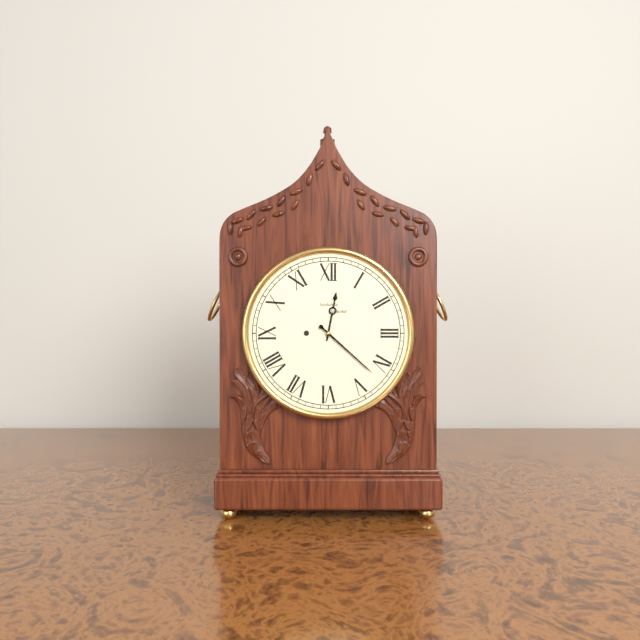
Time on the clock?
12:22
